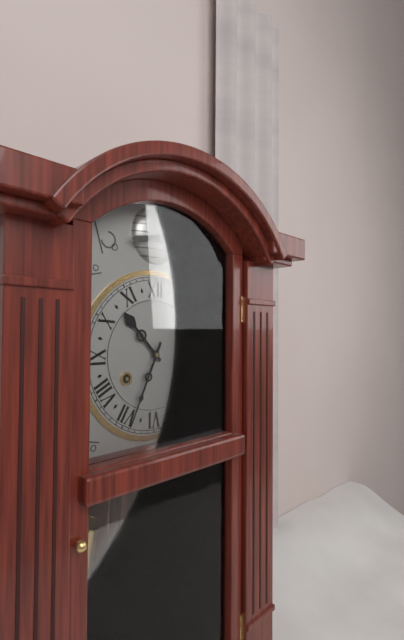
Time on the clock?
10:34
